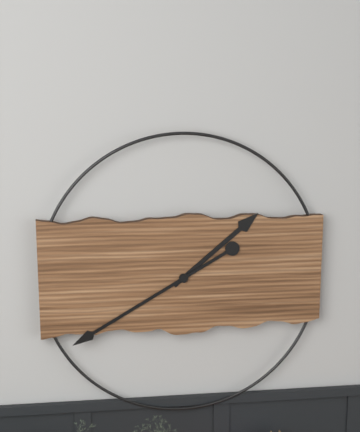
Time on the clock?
1:40
